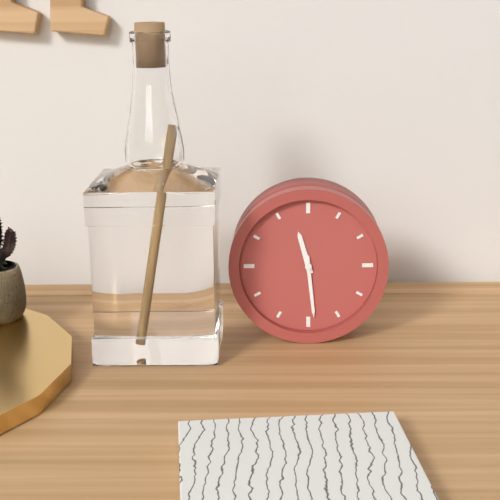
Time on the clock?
11:29
